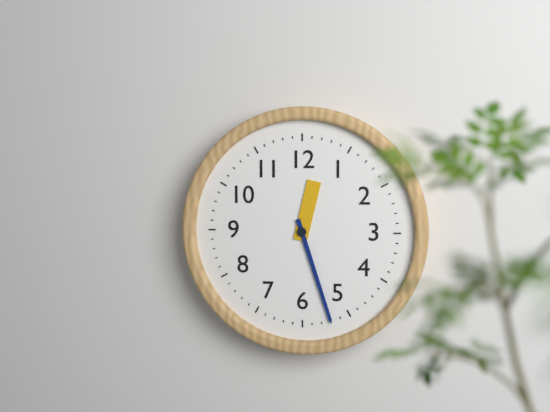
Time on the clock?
12:27
